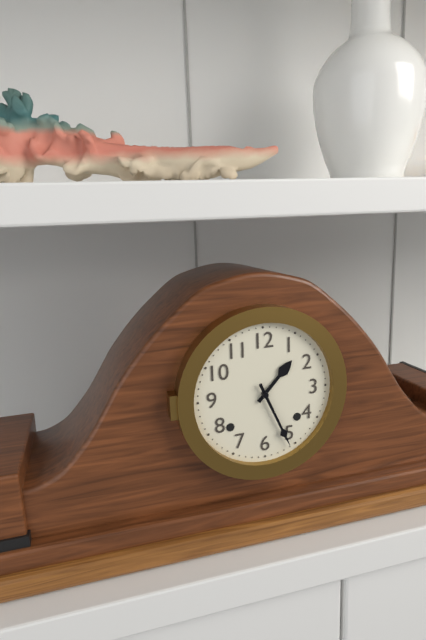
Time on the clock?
1:26
